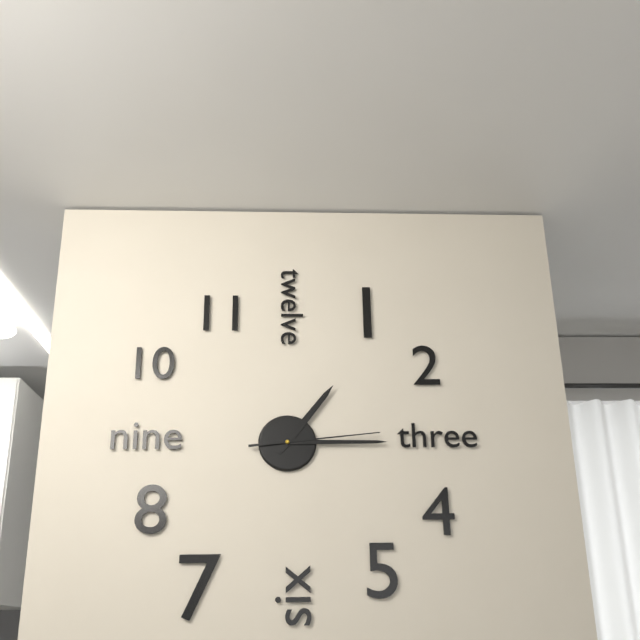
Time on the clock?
1:15:14
